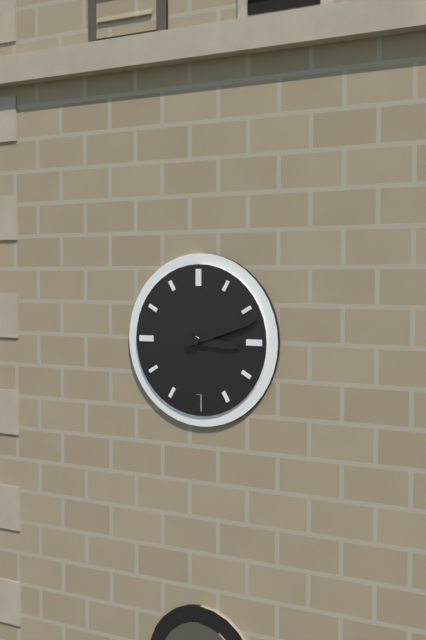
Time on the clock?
3:12
